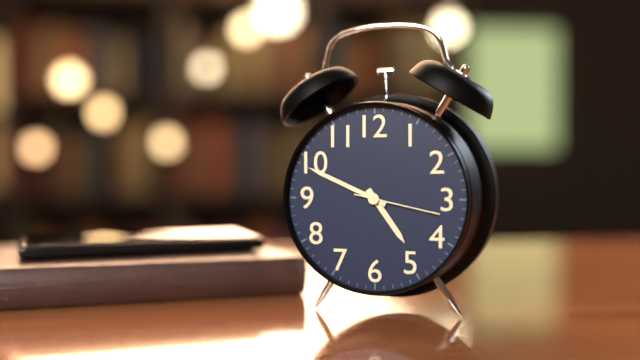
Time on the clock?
4:49:17
